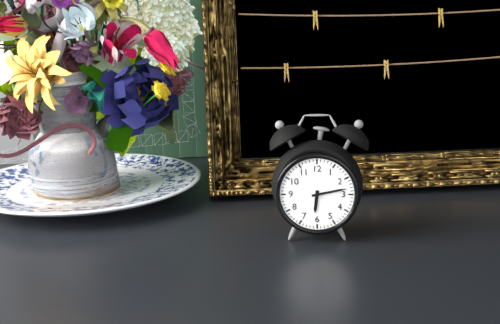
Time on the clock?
6:13
